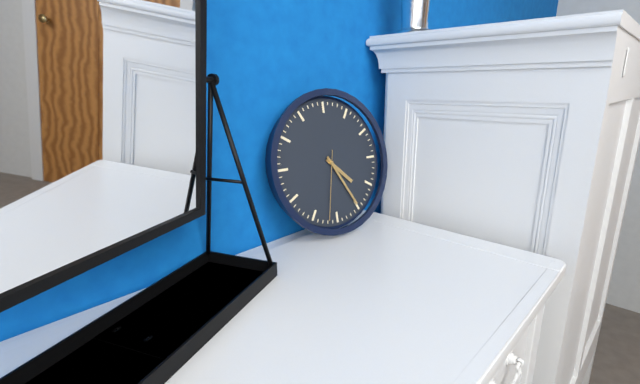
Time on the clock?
4:25:32
